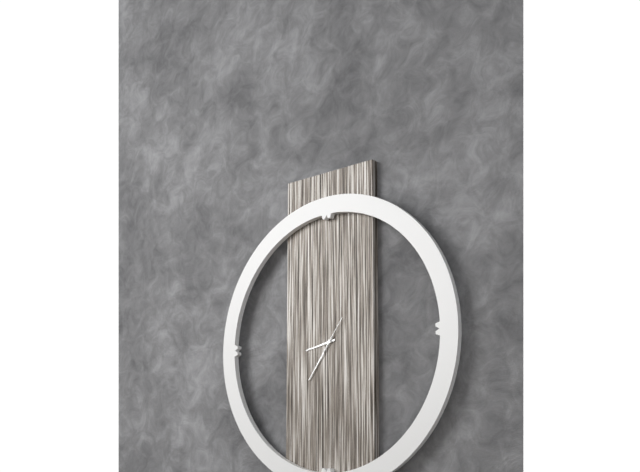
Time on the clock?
8:36
